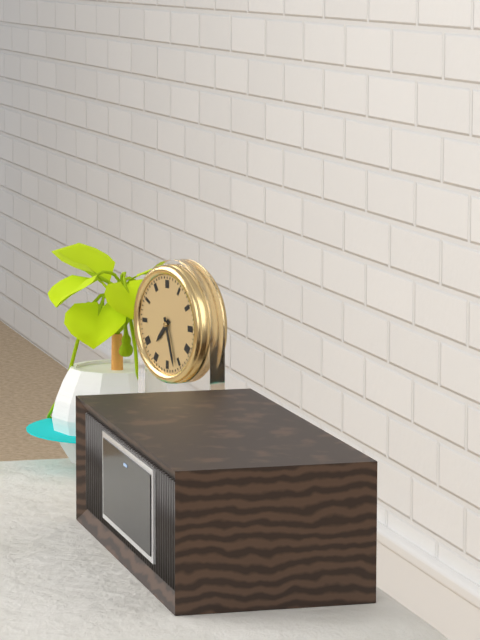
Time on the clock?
7:27
